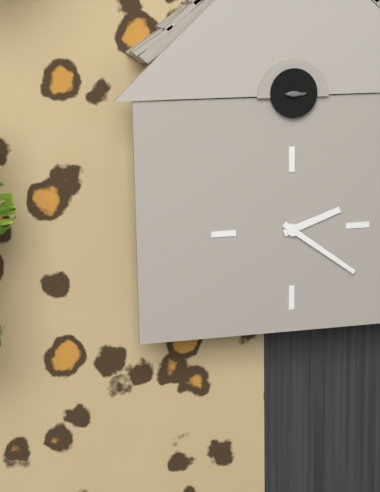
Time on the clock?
2:21
